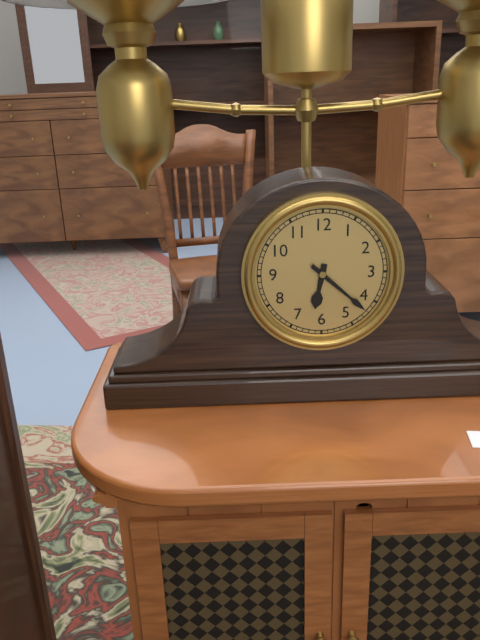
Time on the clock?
6:22
